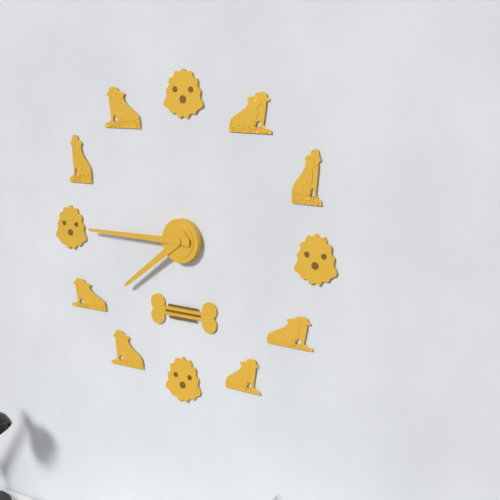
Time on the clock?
7:45
